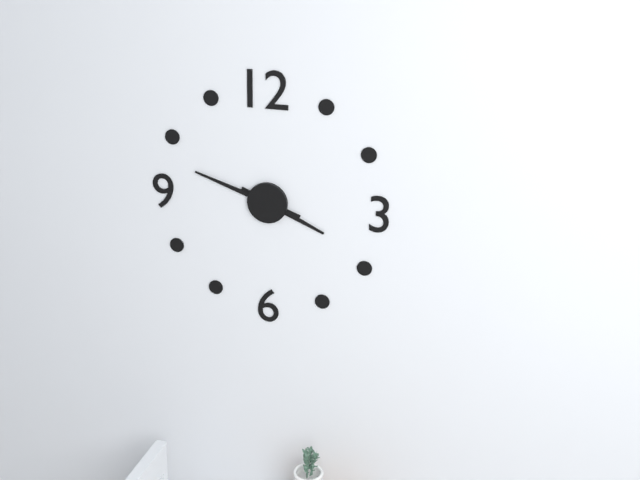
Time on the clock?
3:48
